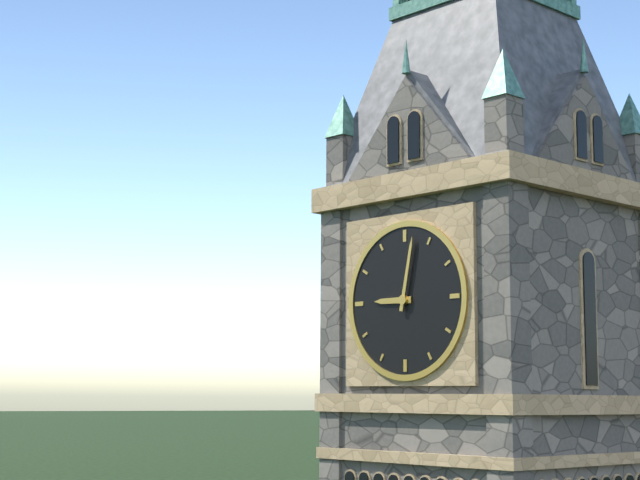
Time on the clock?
9:02
